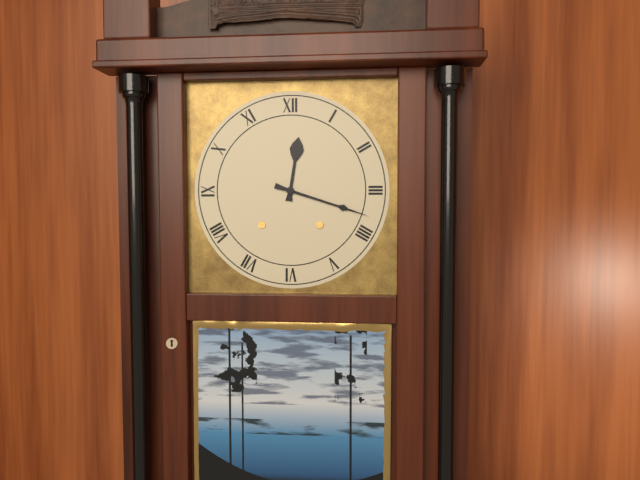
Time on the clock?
12:18
